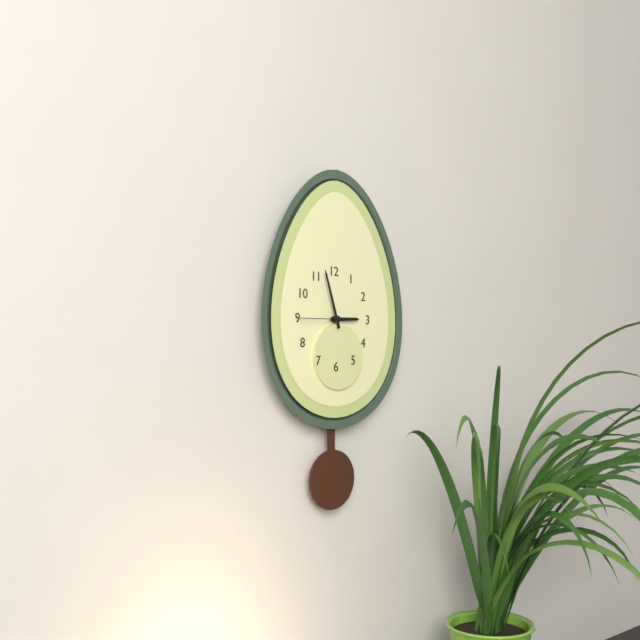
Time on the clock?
2:57
